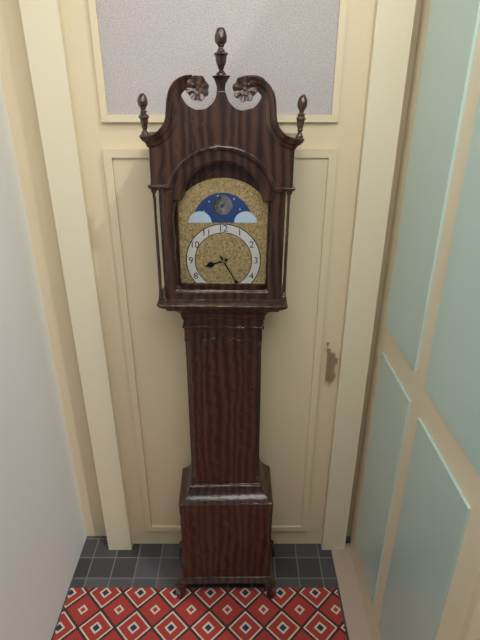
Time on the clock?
8:25
